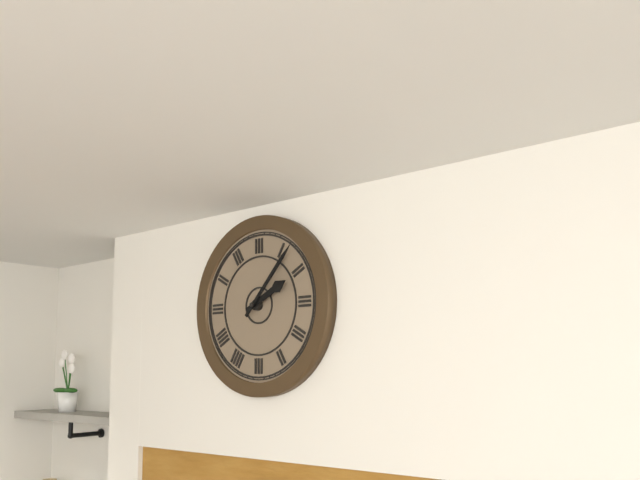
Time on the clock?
2:07
